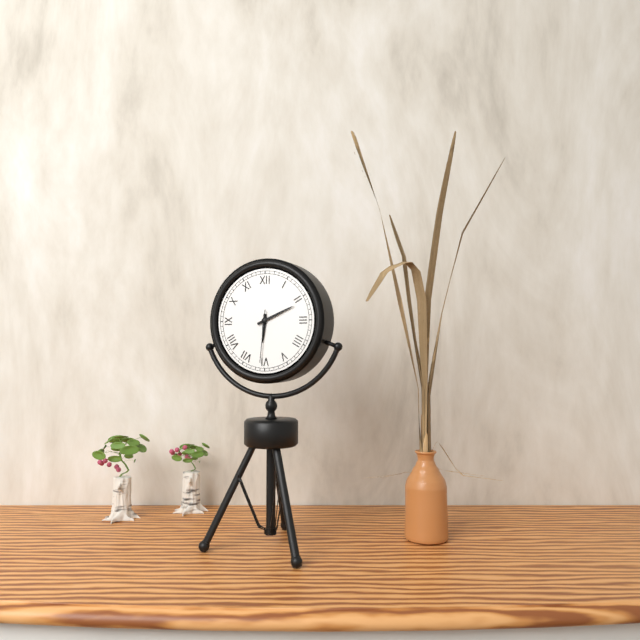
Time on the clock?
6:11:31
